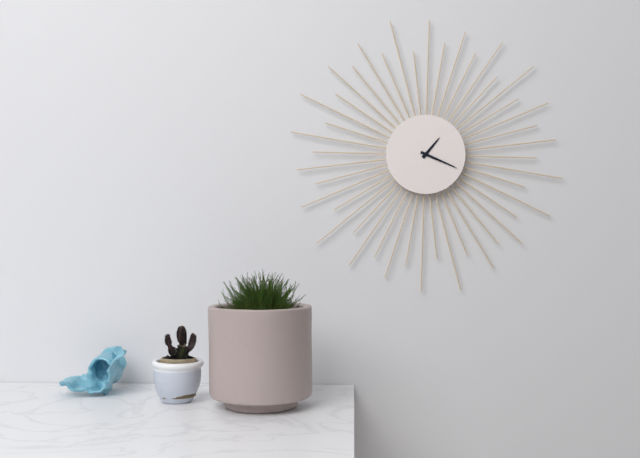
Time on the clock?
1:19
